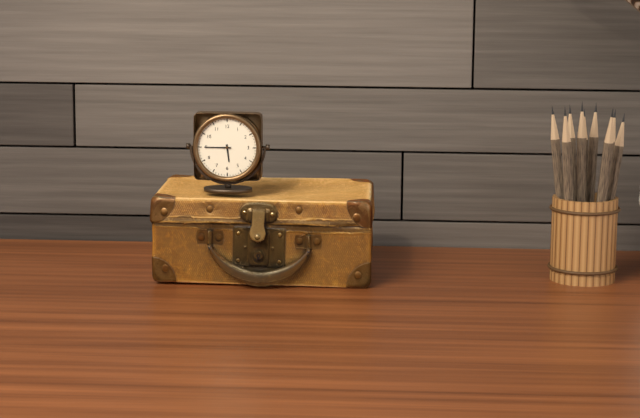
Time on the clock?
5:45
